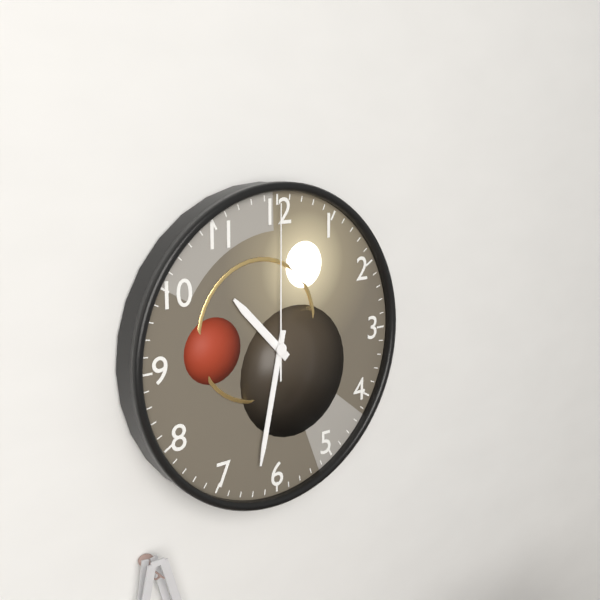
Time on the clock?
10:32:00
